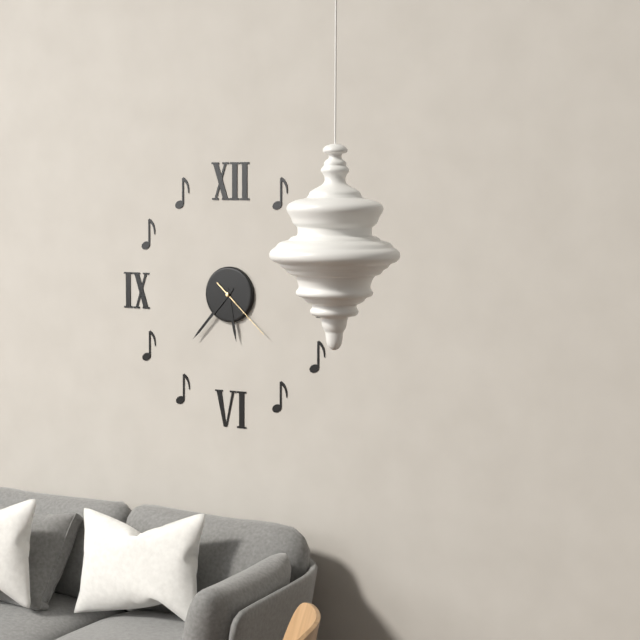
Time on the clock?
5:37:22
